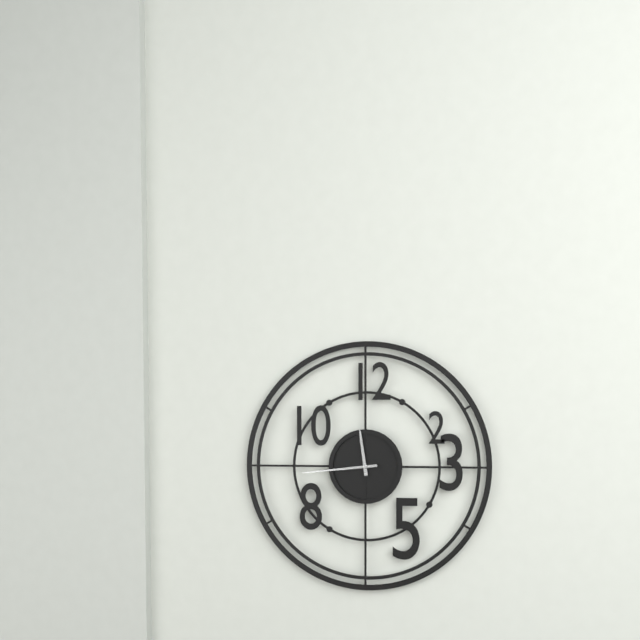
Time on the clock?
11:44
